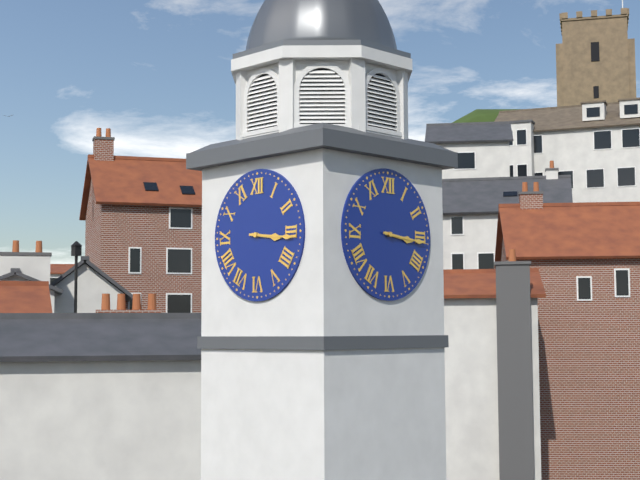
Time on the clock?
3:16
